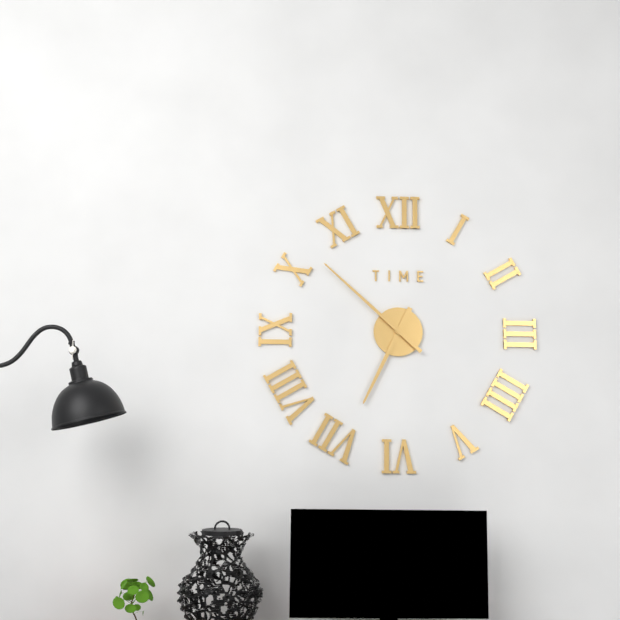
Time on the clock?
6:52
